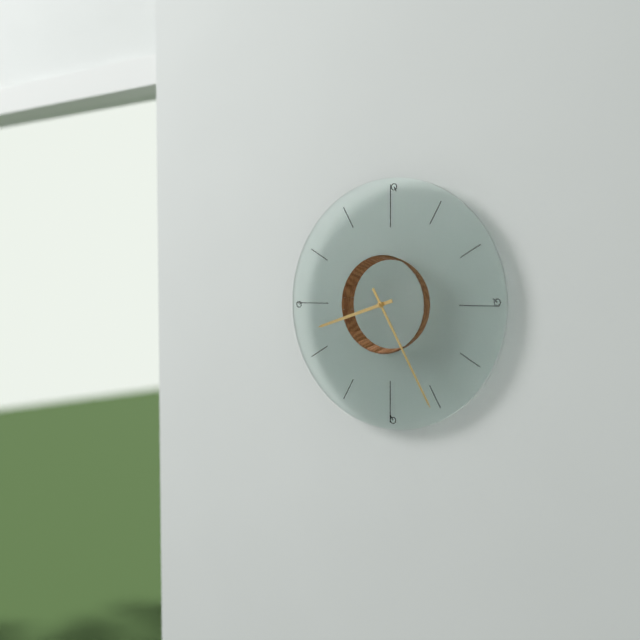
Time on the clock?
8:25
